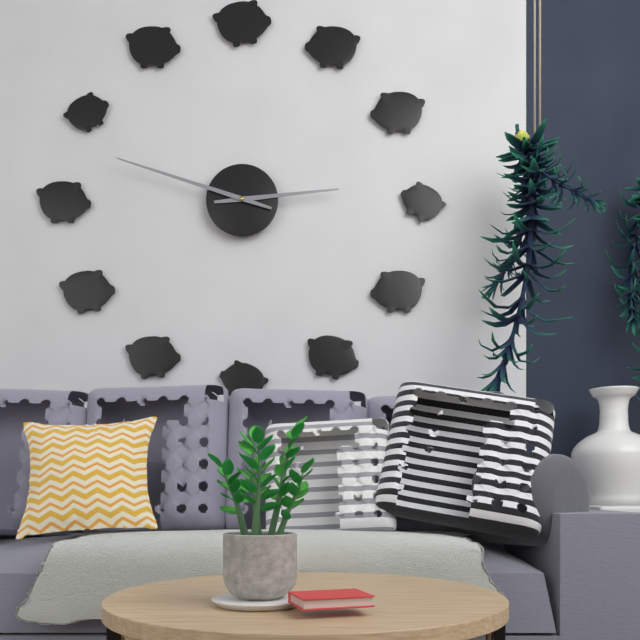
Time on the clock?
2:48
